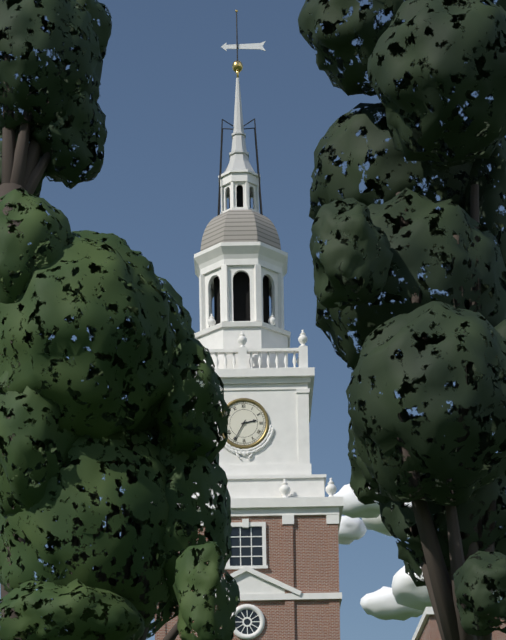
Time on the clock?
2:35
